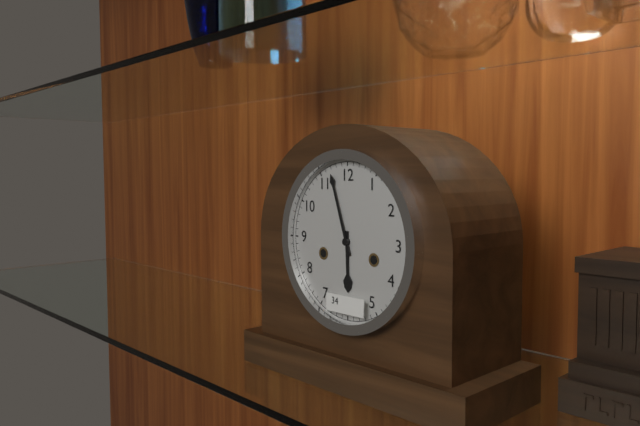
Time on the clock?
5:57
